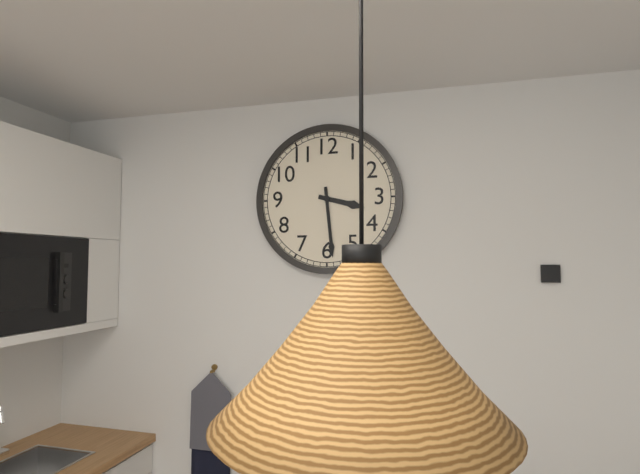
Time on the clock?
3:29
